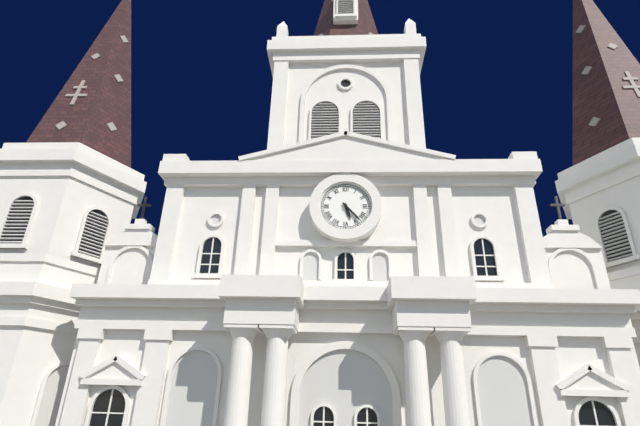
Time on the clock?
5:23
